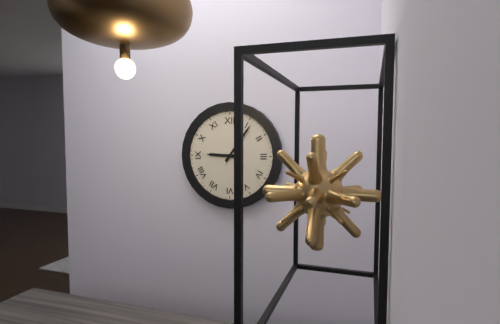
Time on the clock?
9:06
